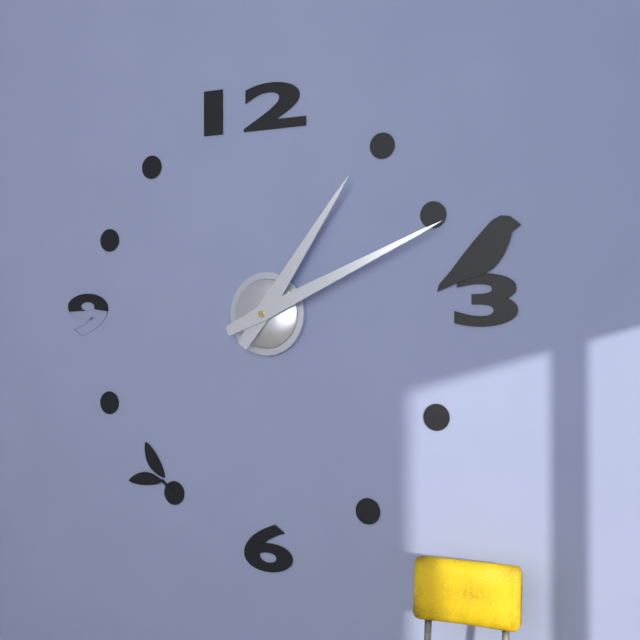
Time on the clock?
1:11
